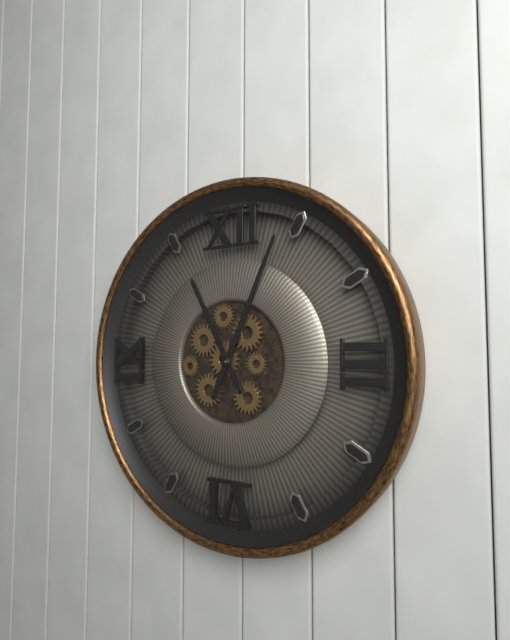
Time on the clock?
11:04
